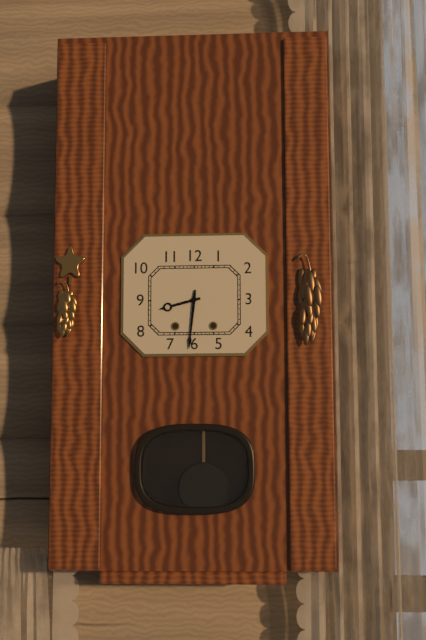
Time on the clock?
8:31
